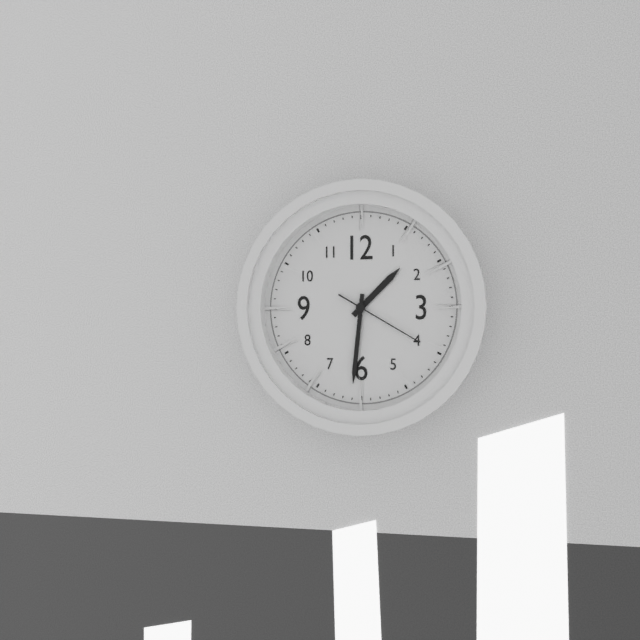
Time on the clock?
1:31:20
